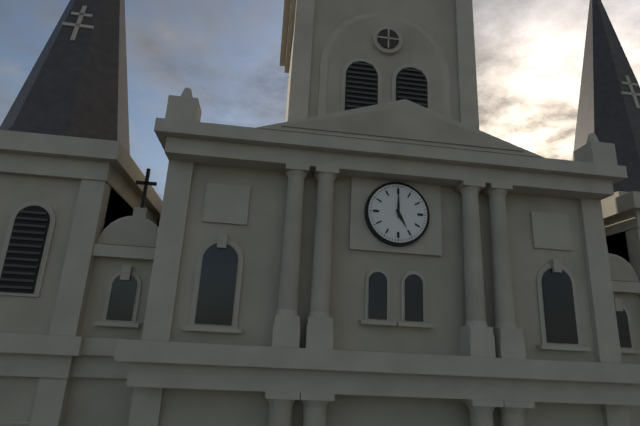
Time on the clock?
5:00
